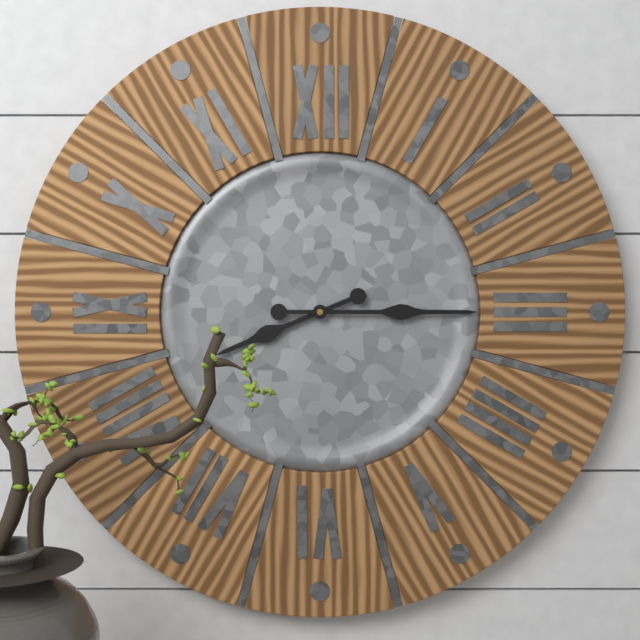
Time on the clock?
8:15
